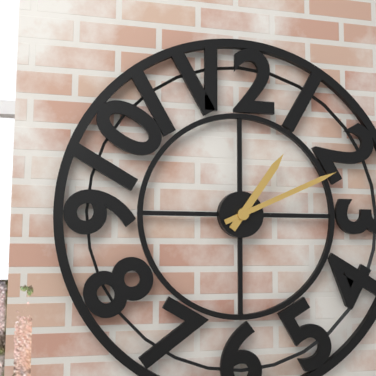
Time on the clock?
1:11
